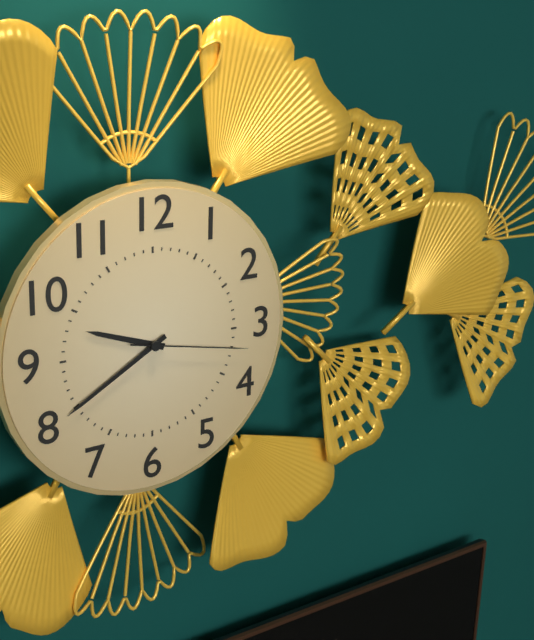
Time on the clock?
9:40:17
